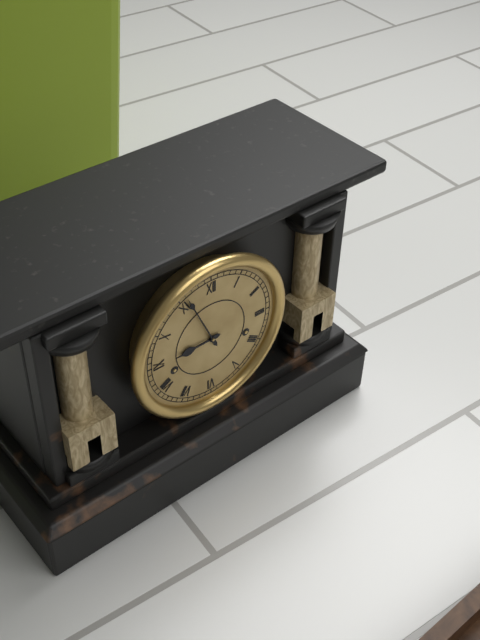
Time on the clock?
8:56
